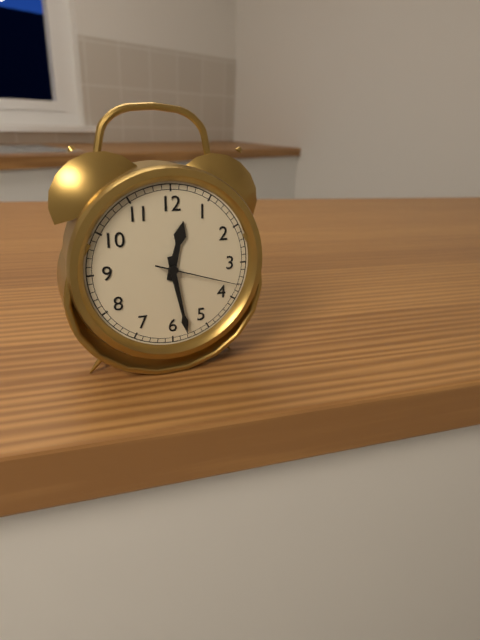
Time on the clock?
12:28:18
